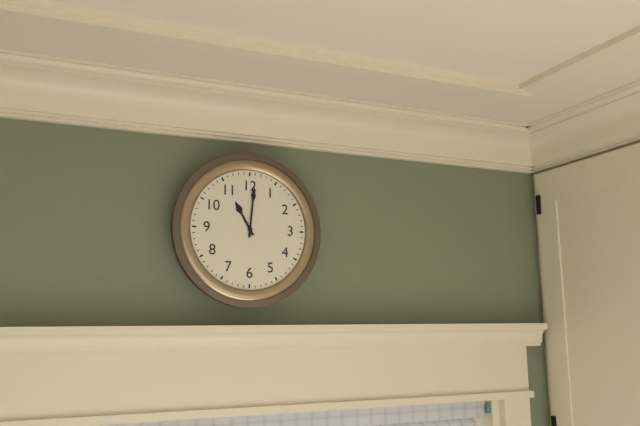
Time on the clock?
11:01
